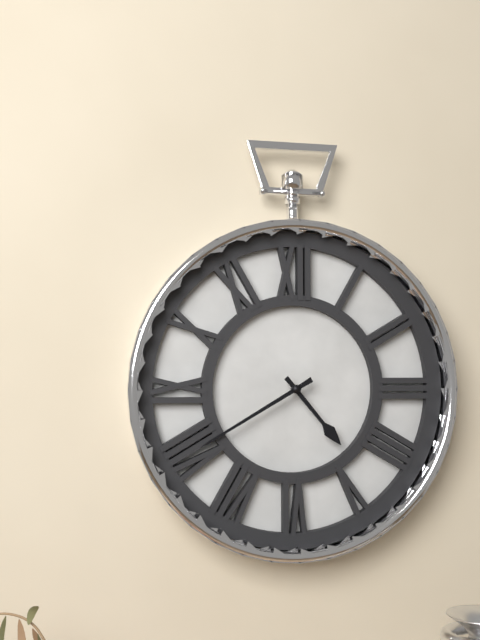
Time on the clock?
4:40
